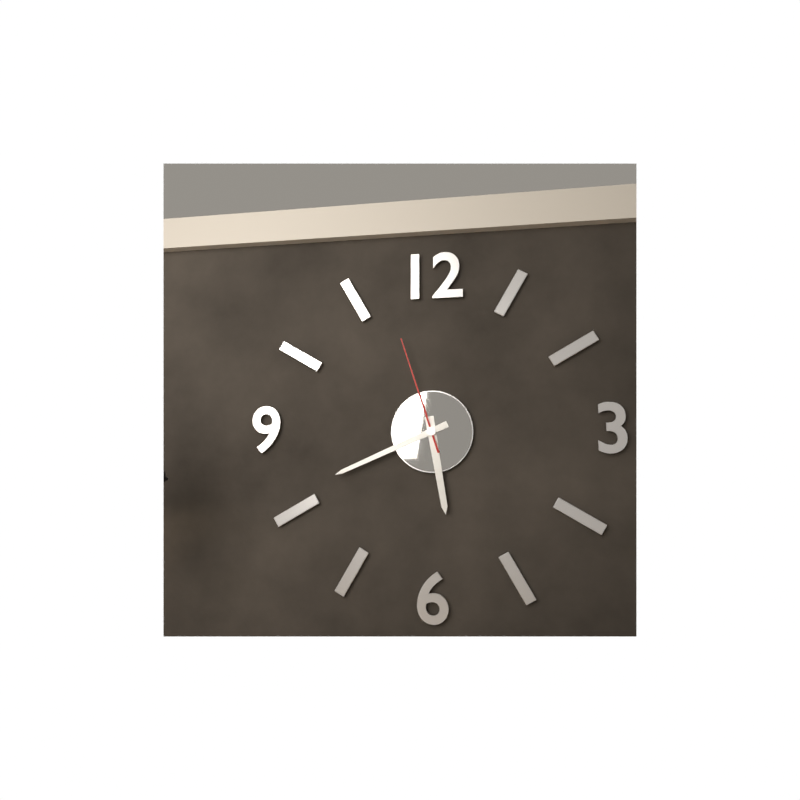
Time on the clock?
5:41:57
